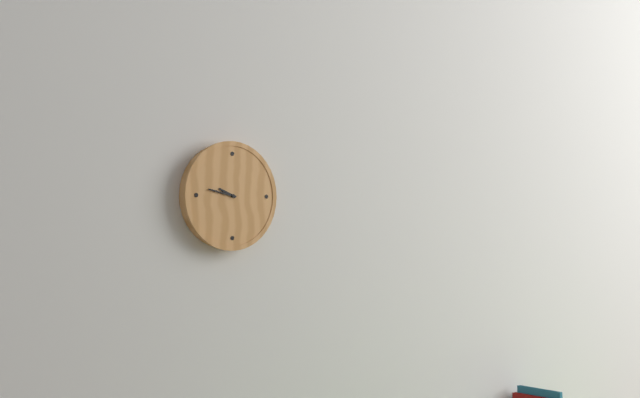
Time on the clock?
9:47
